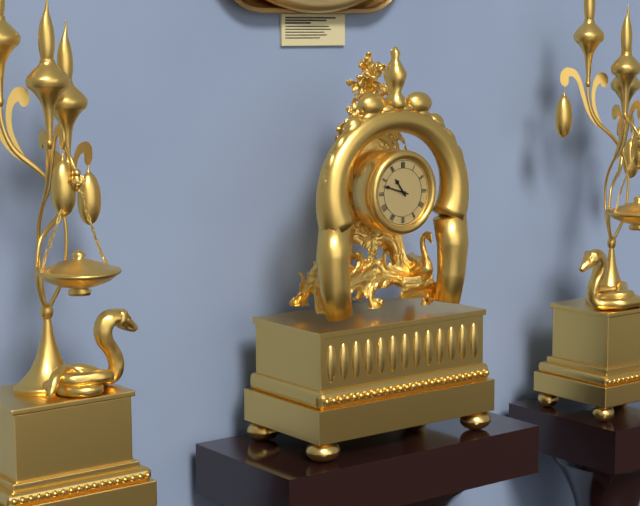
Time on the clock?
10:48
